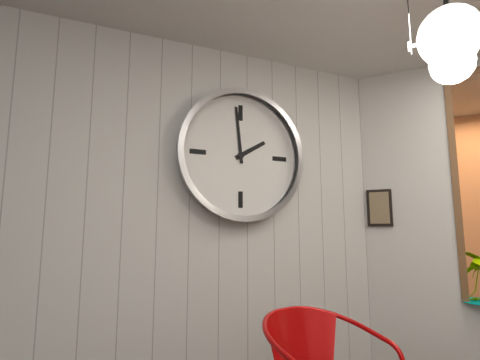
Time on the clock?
1:59
